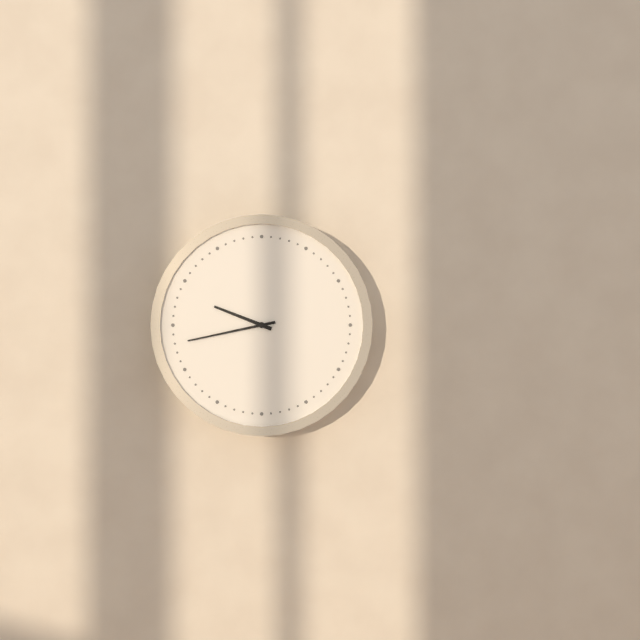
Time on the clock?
9:43
